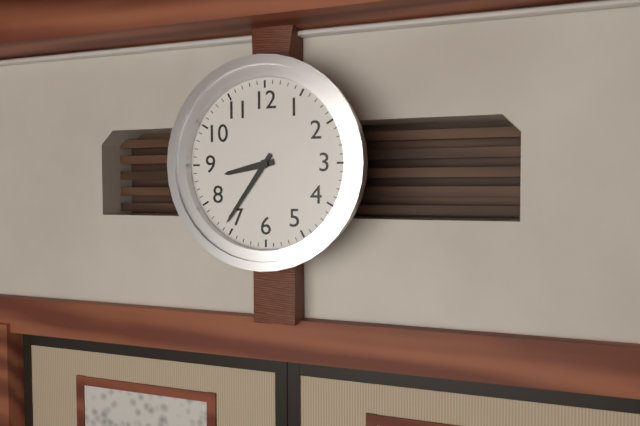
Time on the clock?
8:36
